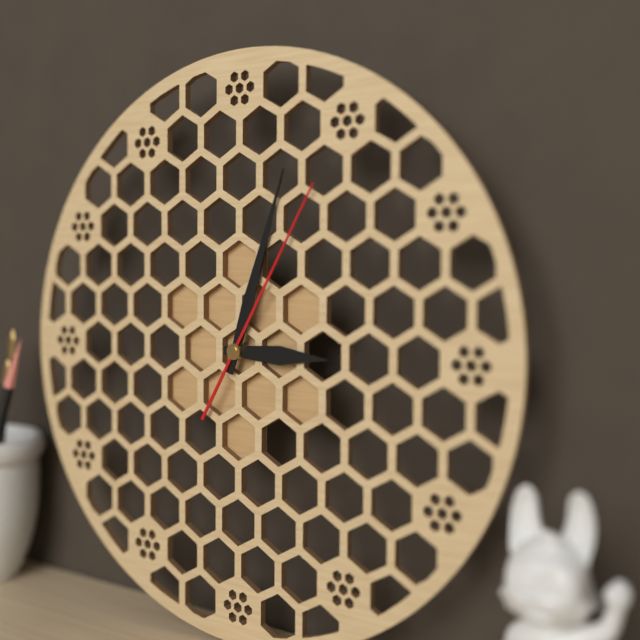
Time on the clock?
3:03:05
